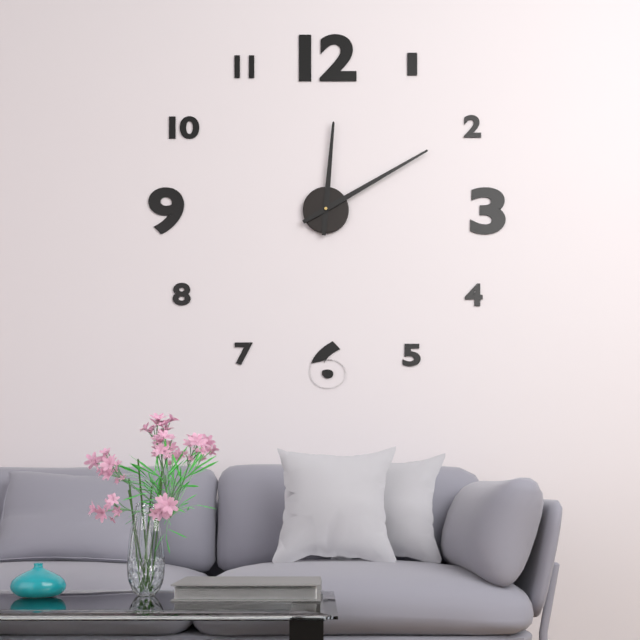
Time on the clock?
12:10
